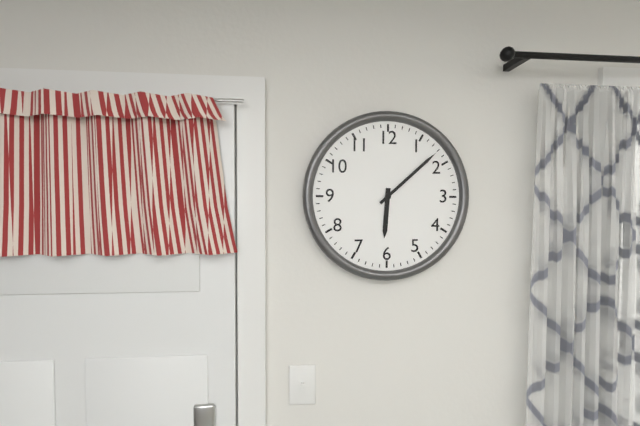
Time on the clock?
6:08
